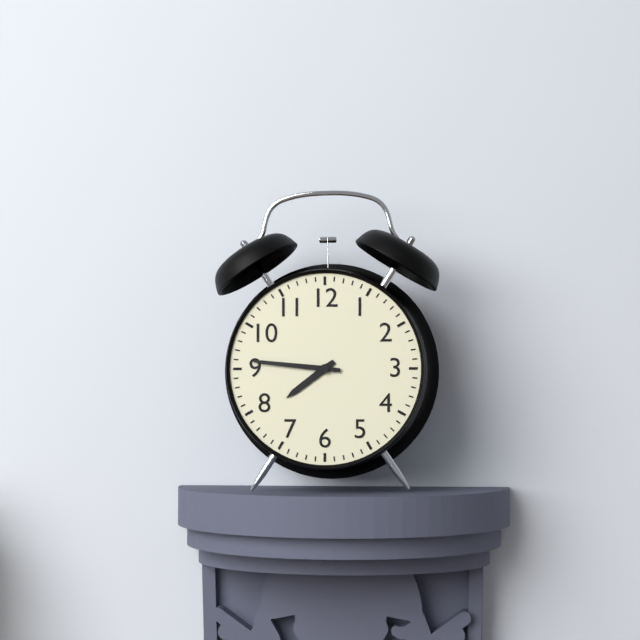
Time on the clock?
7:46
